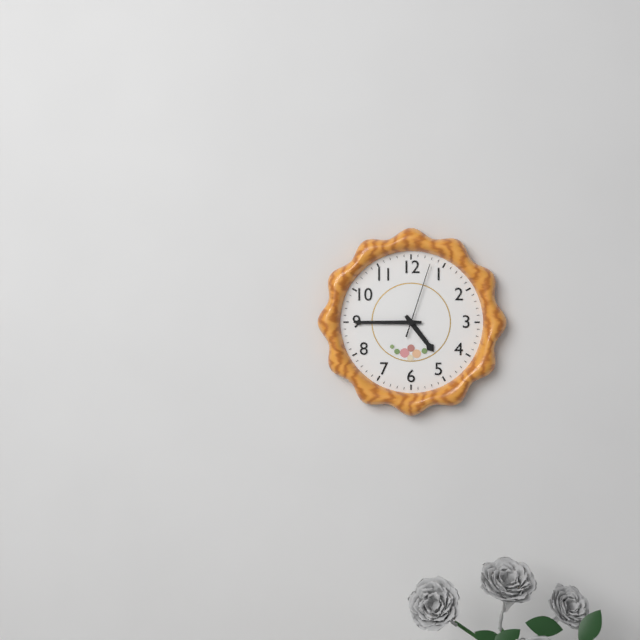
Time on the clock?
4:45:03
